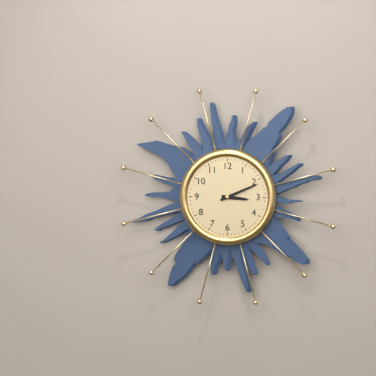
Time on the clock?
3:11
